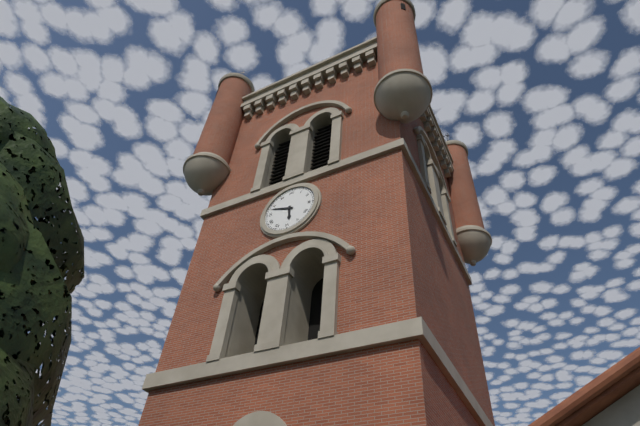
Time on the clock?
5:48
